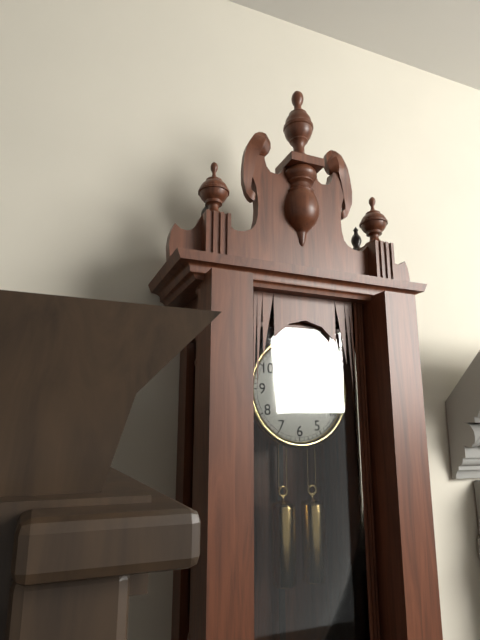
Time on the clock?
2:20
